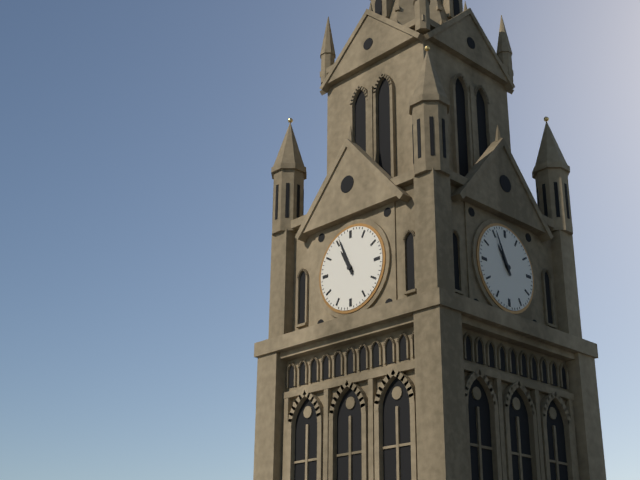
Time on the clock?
10:56
